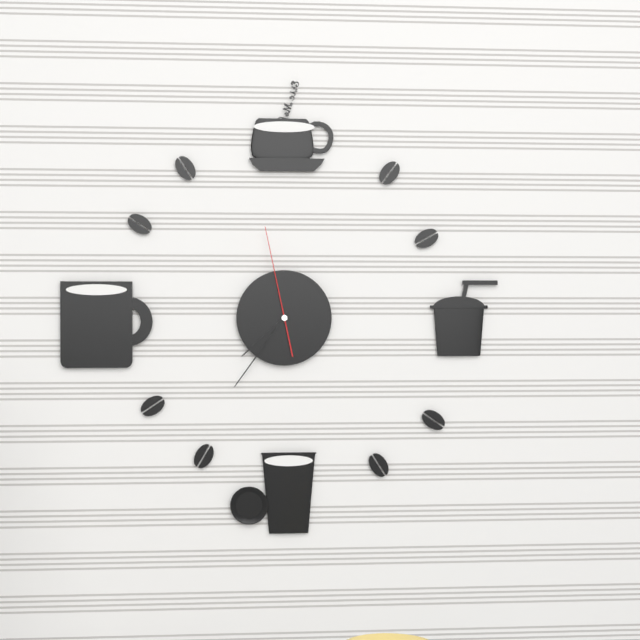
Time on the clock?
7:36:58
